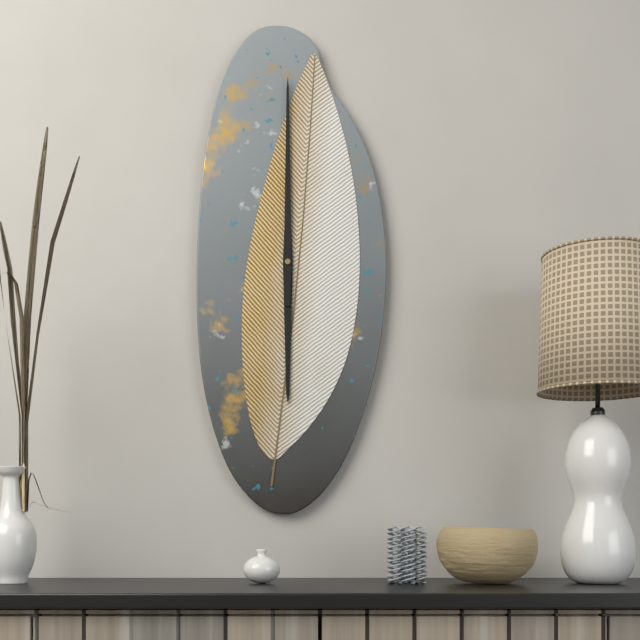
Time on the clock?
6:00
